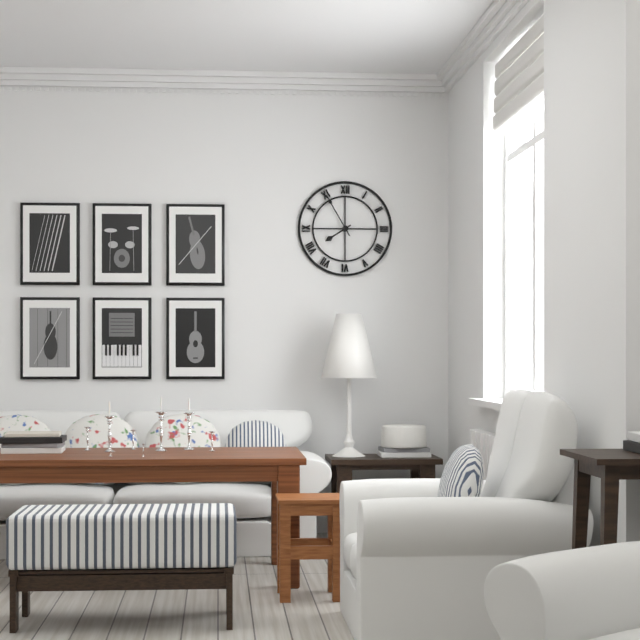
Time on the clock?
7:55
